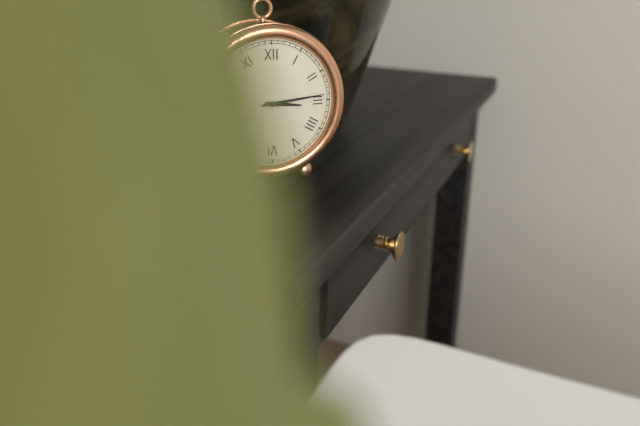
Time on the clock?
3:14
